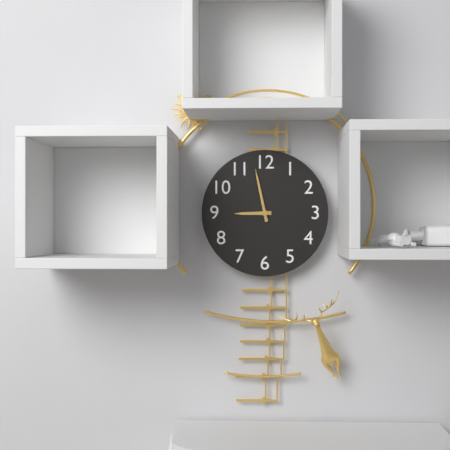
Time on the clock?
8:58
